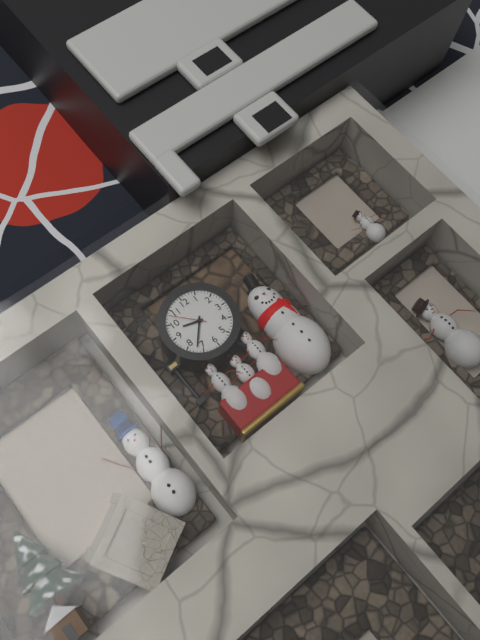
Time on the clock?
9:37
